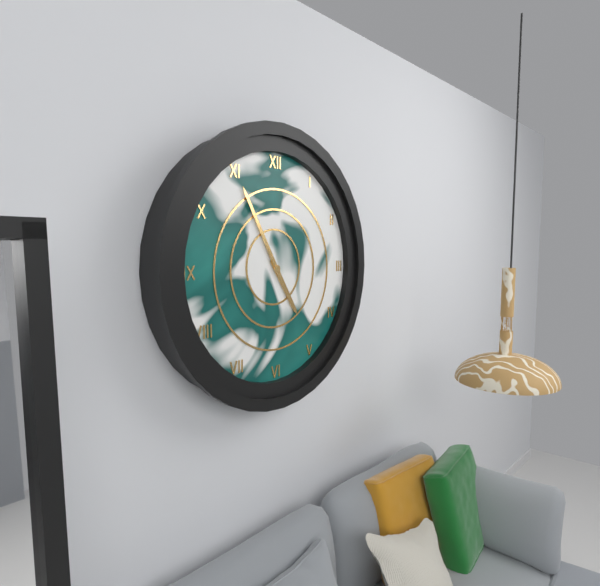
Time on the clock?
4:55
